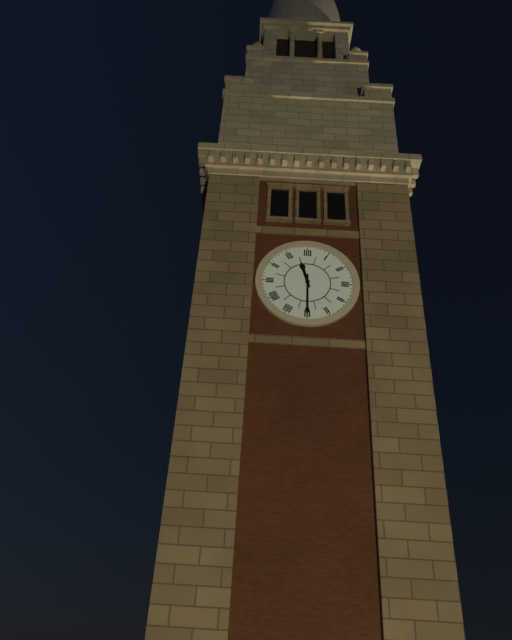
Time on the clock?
11:30
